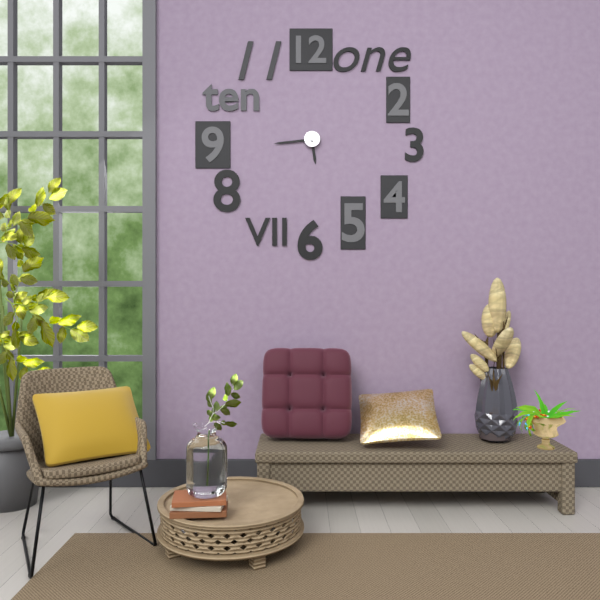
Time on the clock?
5:44
